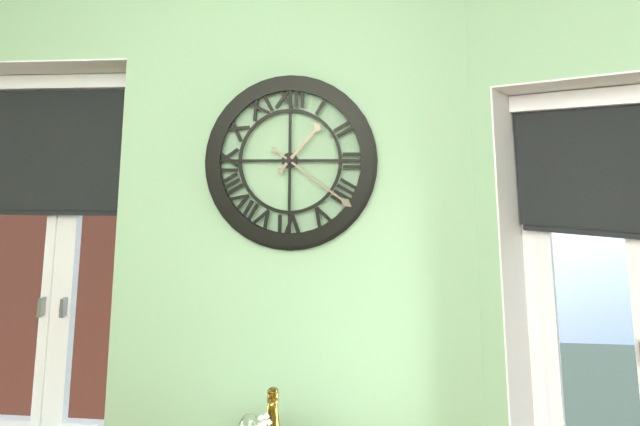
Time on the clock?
1:21
